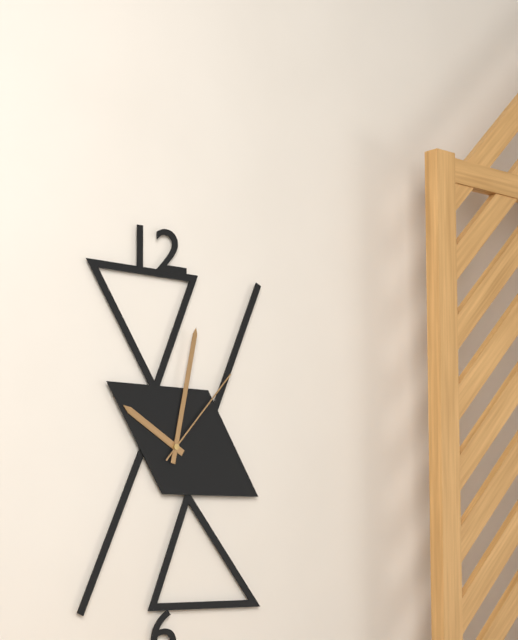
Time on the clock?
10:02:07
